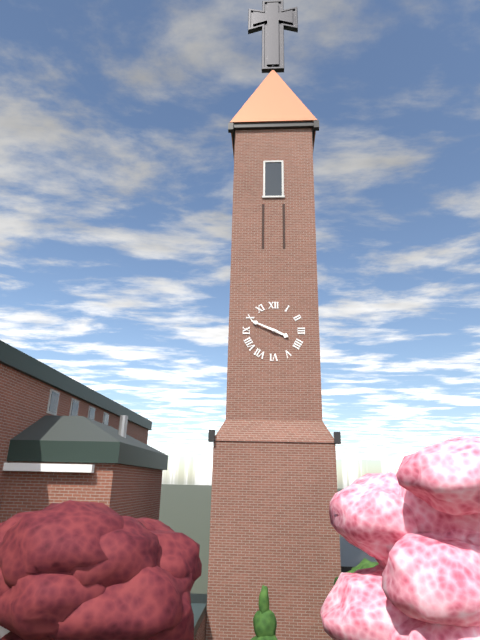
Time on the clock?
3:49
